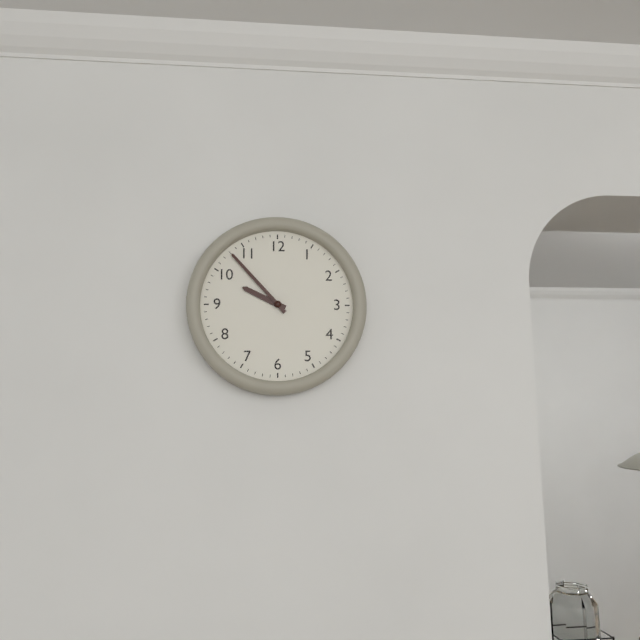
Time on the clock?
9:53
